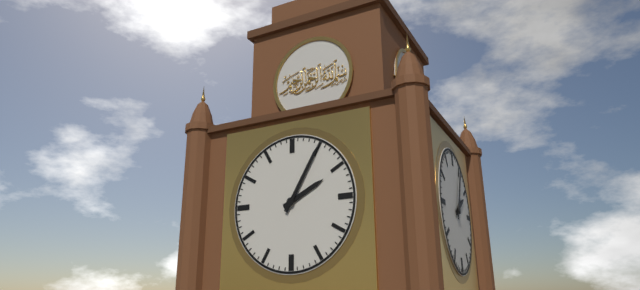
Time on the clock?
2:05
